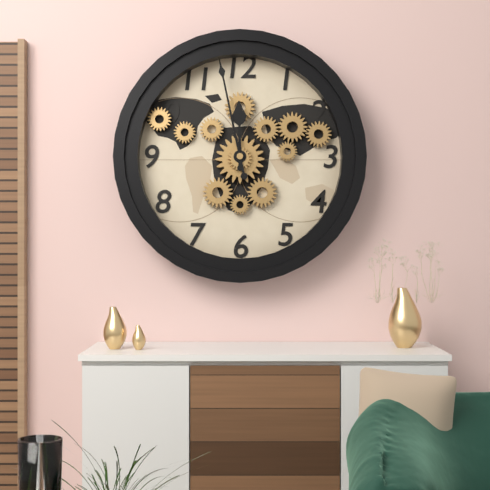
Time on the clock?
11:58
